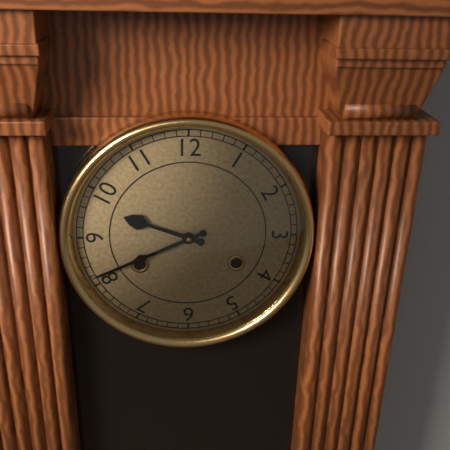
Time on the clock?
9:41
